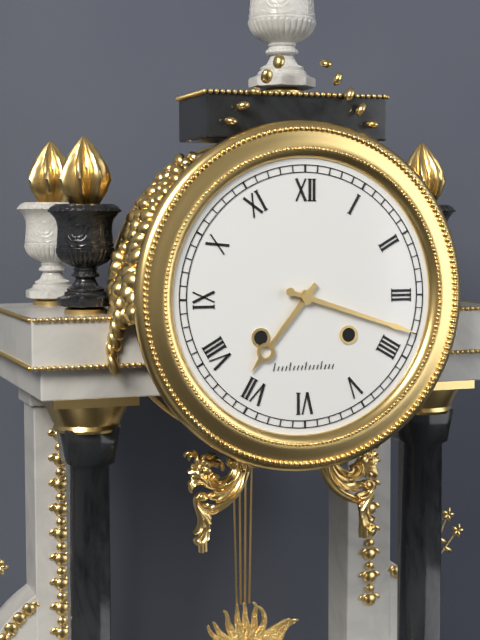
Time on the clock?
7:18
